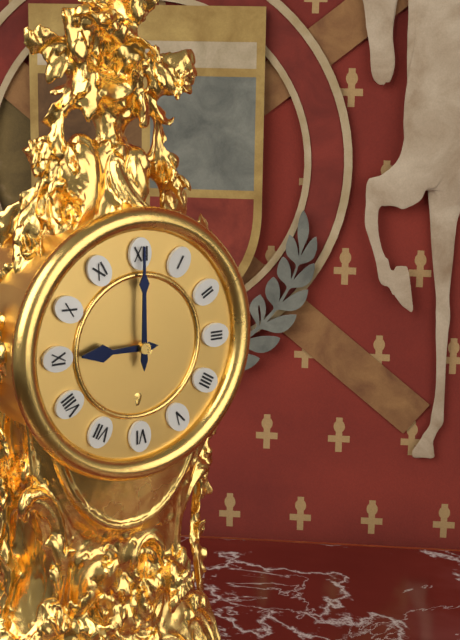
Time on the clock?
9:00
